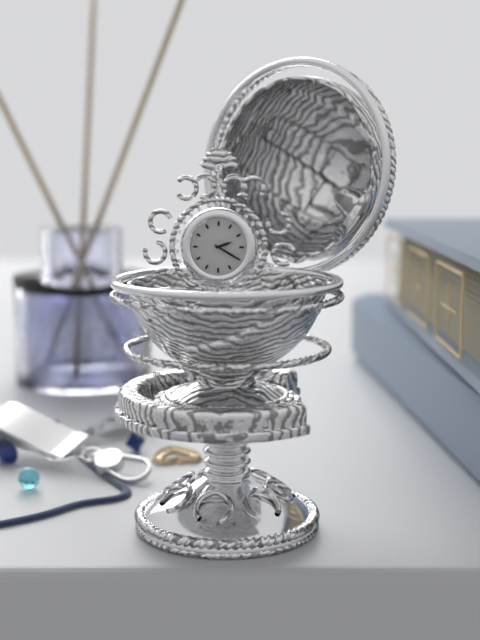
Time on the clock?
2:20
